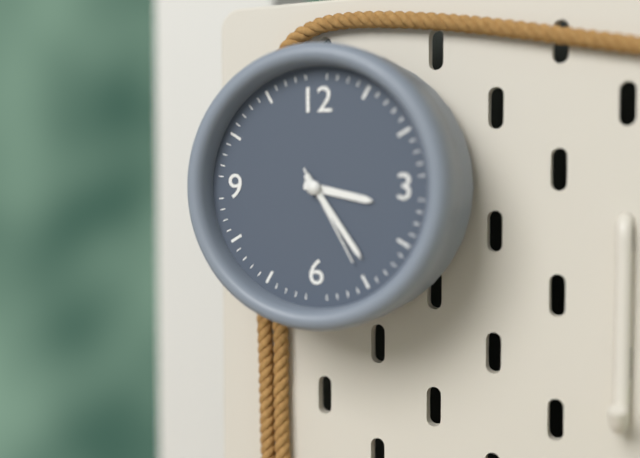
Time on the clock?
3:24:25
